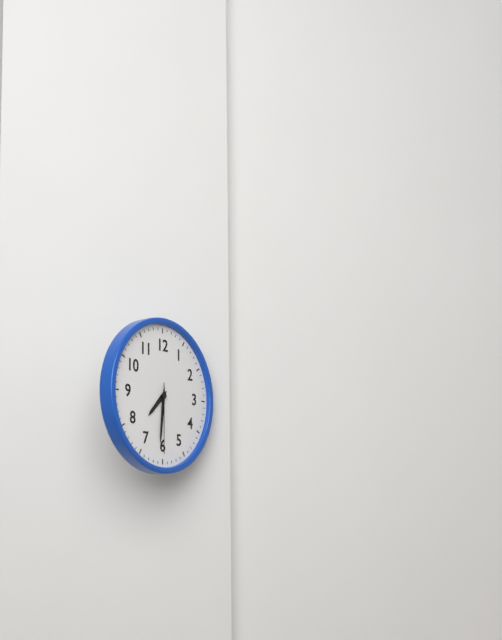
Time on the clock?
7:31:30
